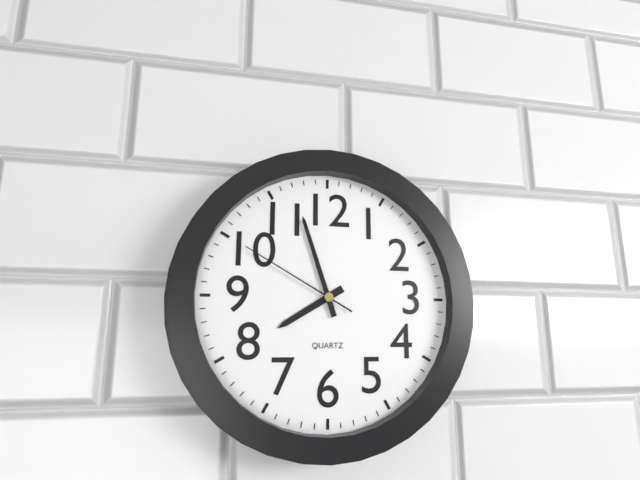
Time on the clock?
7:57:50
